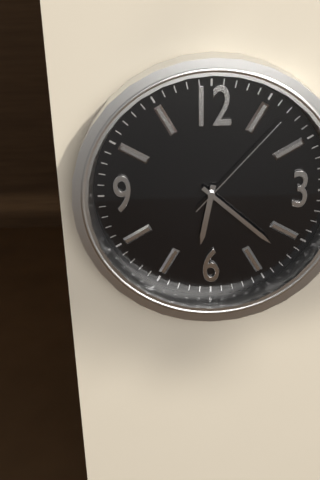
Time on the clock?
6:22:07
